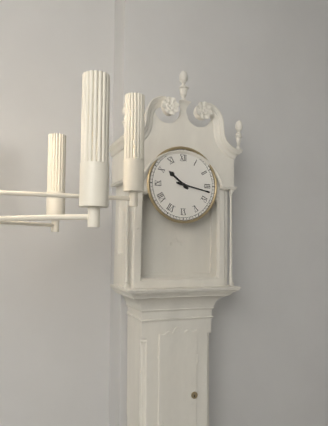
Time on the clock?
10:17
